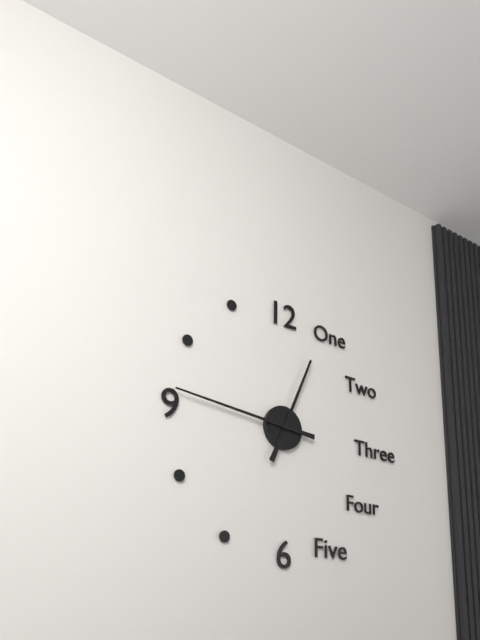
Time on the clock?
12:46
